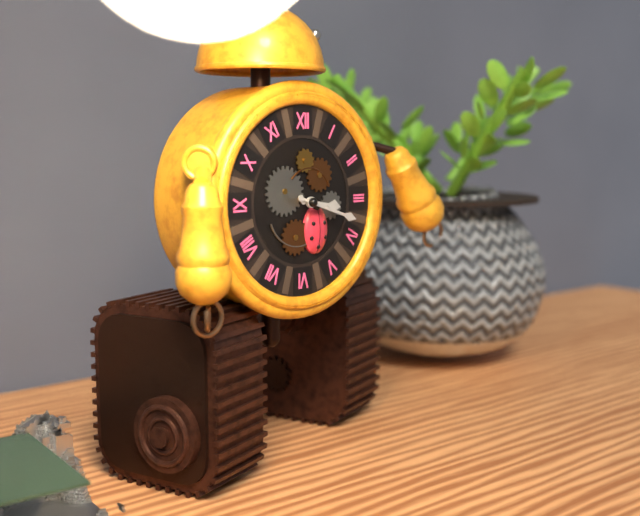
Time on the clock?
3:18
